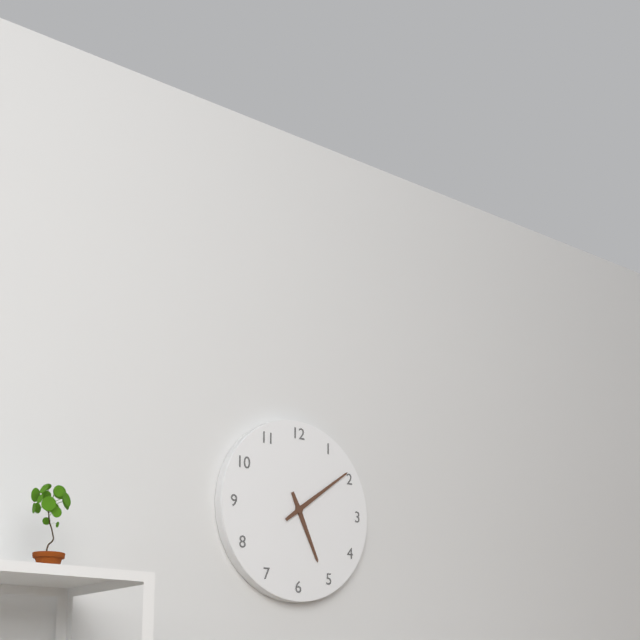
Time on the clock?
5:09
